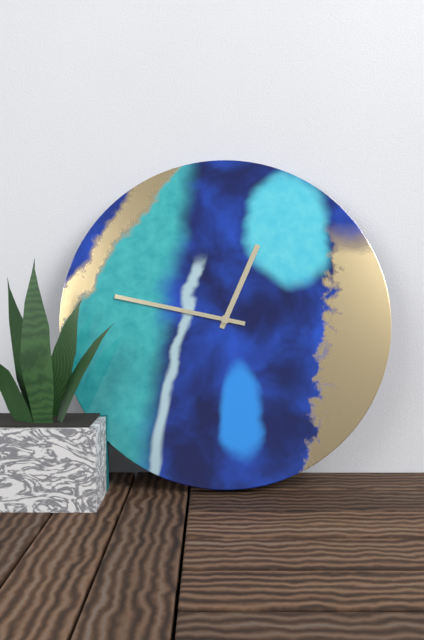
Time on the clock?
12:47
